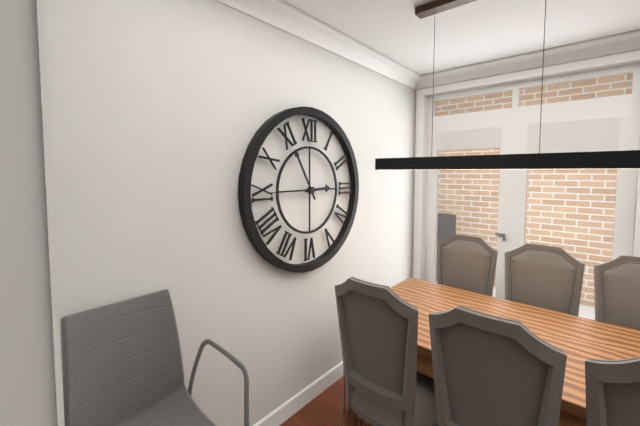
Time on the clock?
2:55
